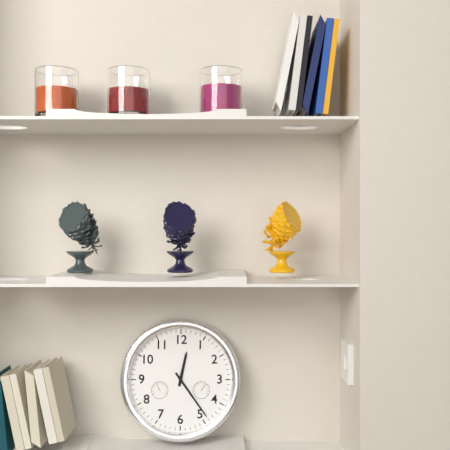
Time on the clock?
12:24
